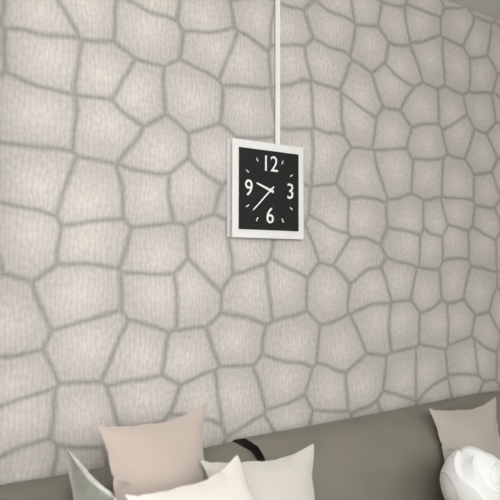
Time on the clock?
9:38
